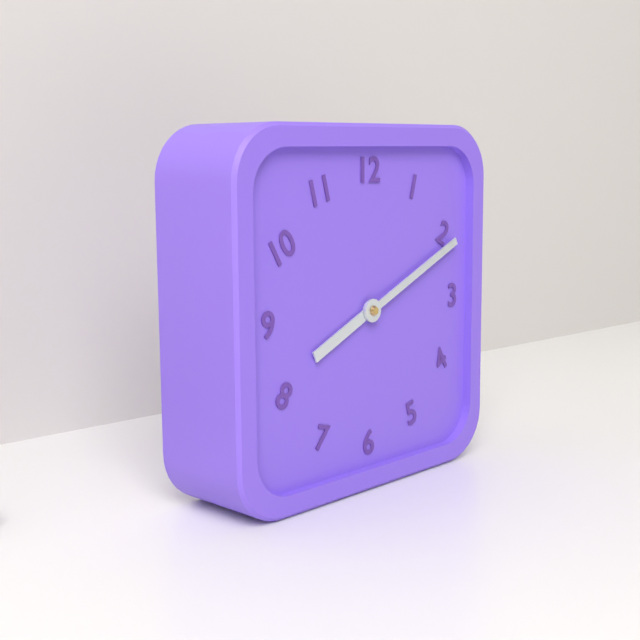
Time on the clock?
8:11
